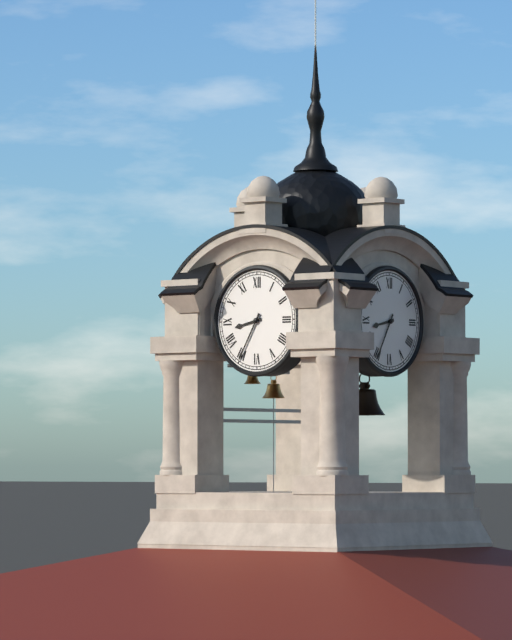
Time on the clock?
8:35
